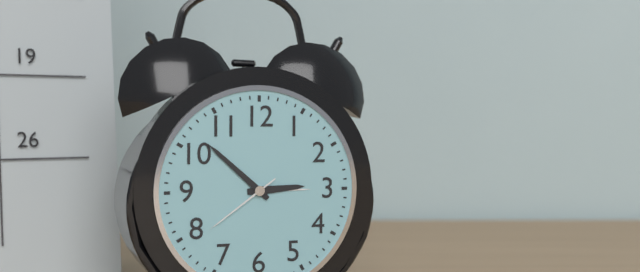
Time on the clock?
2:52:39
